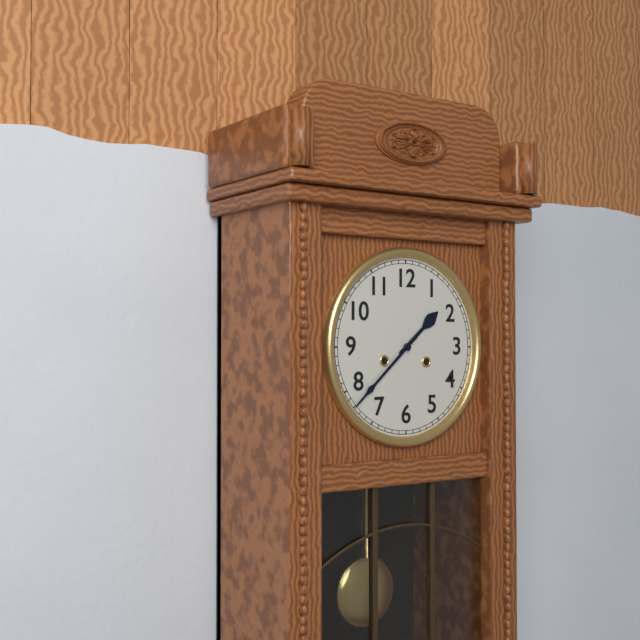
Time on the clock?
1:38
